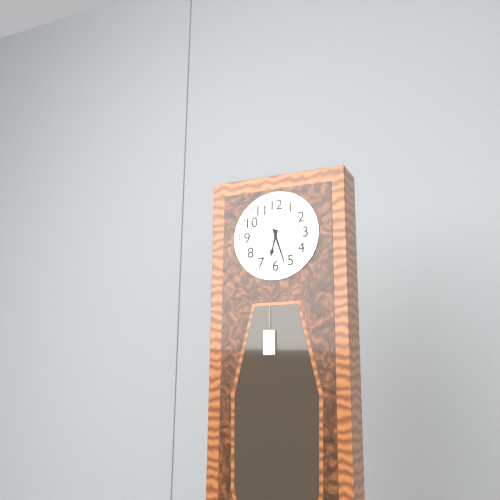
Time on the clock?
6:27
